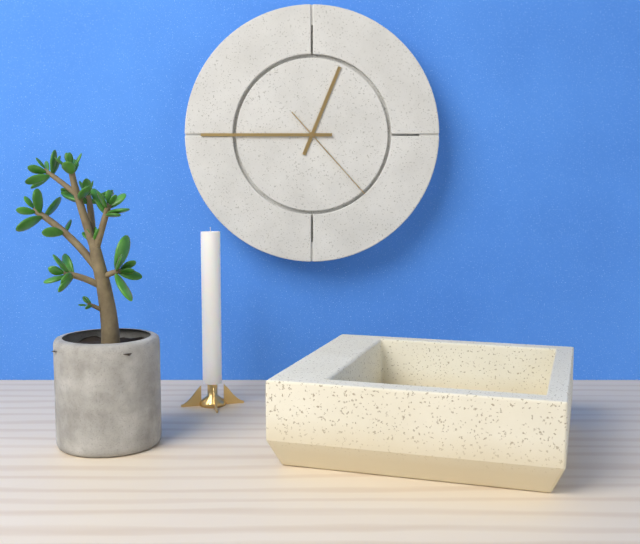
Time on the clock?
12:45:23
